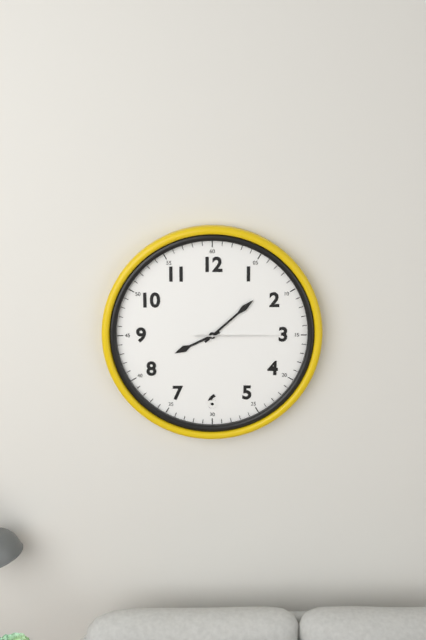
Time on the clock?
8:08:15
